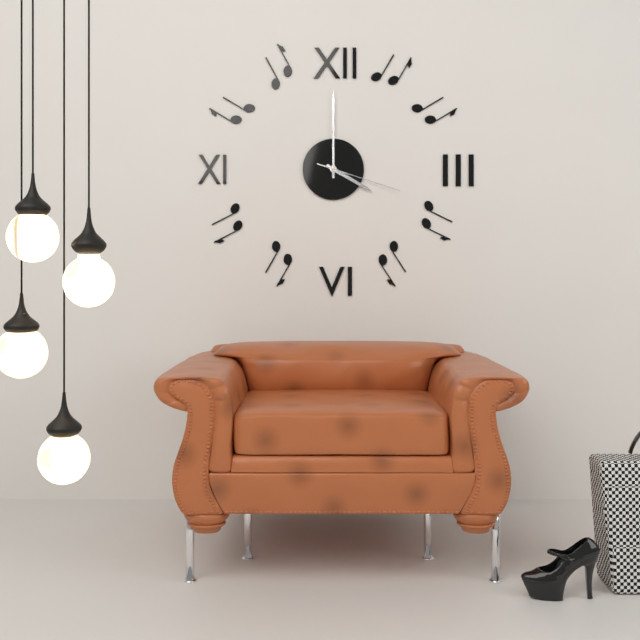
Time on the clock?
4:00:18
